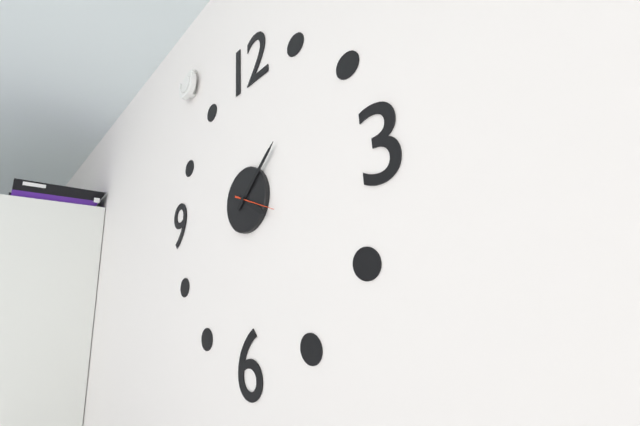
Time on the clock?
4:08
